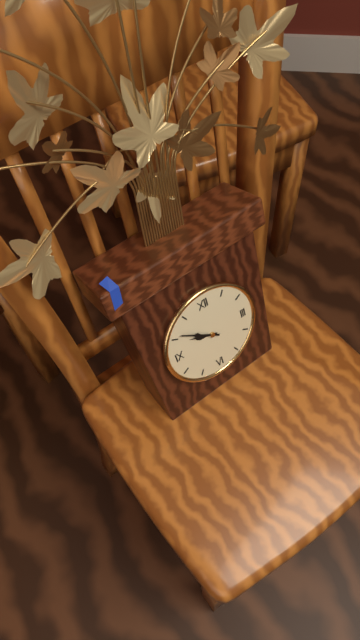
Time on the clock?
9:51
